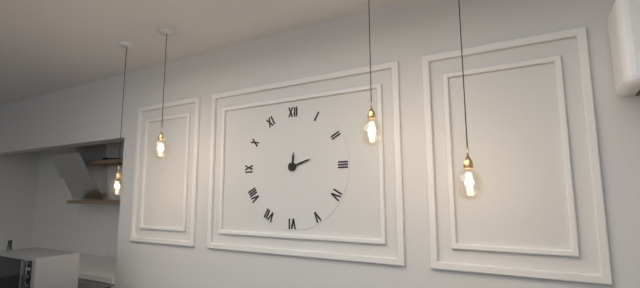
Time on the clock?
12:12
